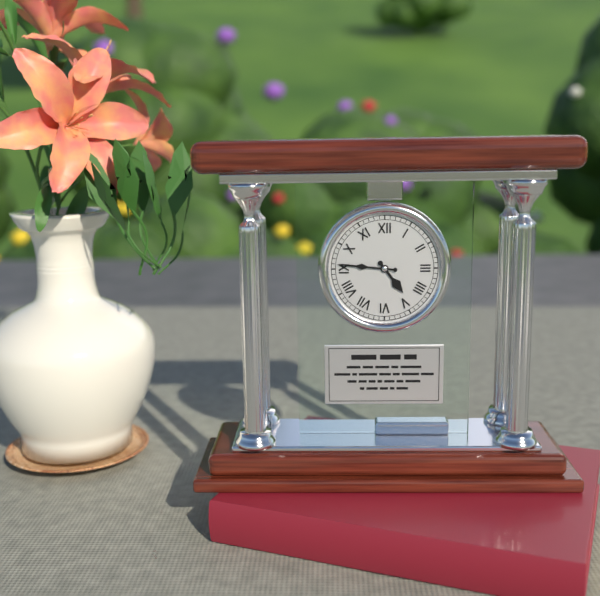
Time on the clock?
4:46
